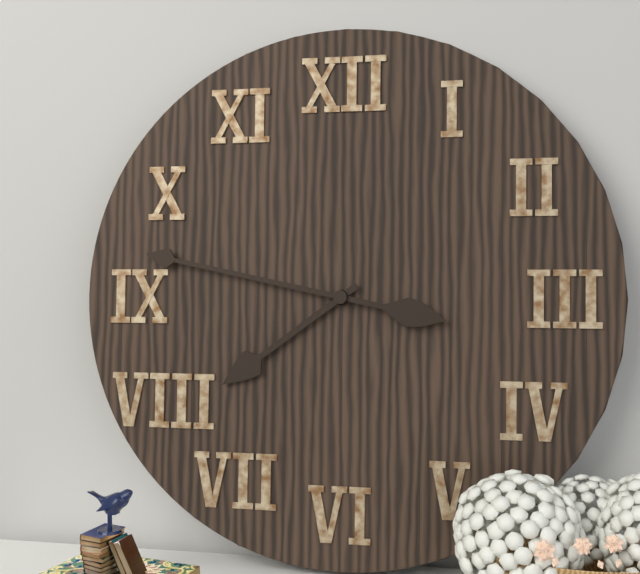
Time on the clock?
7:47
